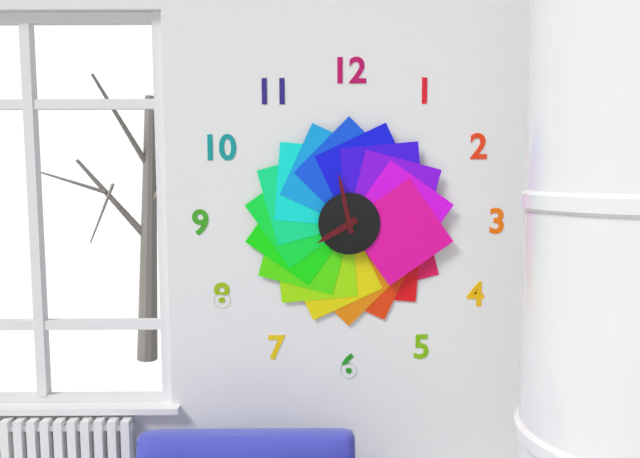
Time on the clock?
7:58
